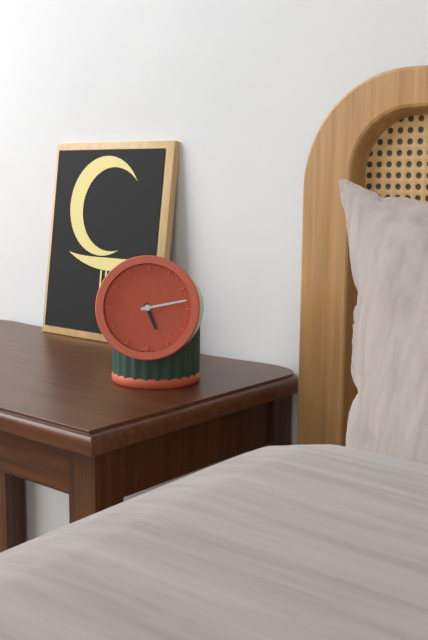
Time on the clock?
5:13
